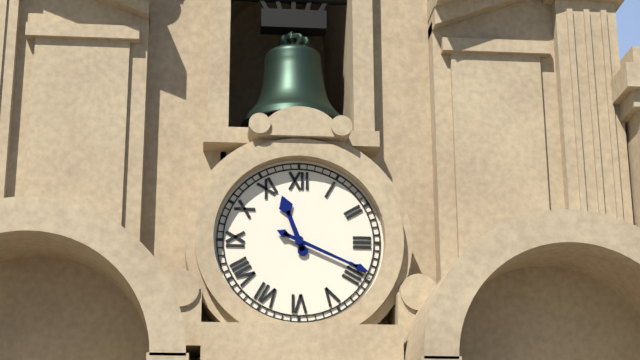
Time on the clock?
11:19
